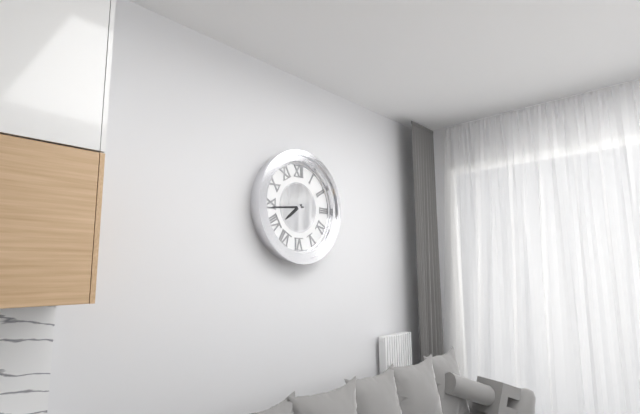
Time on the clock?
7:44
